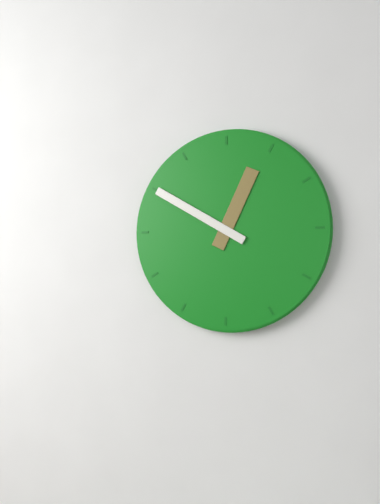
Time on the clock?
12:50
